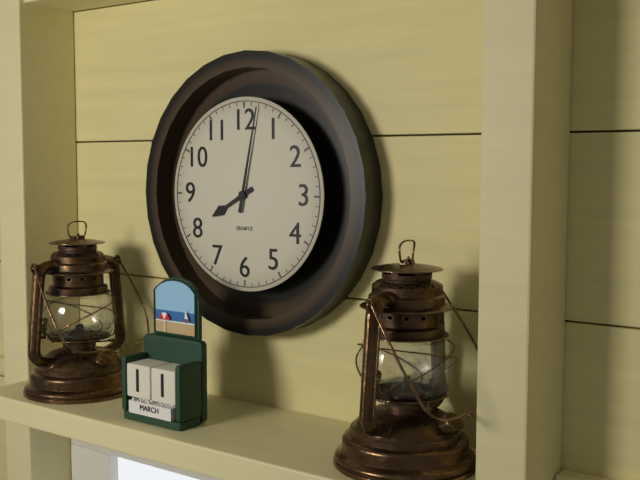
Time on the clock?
8:02
